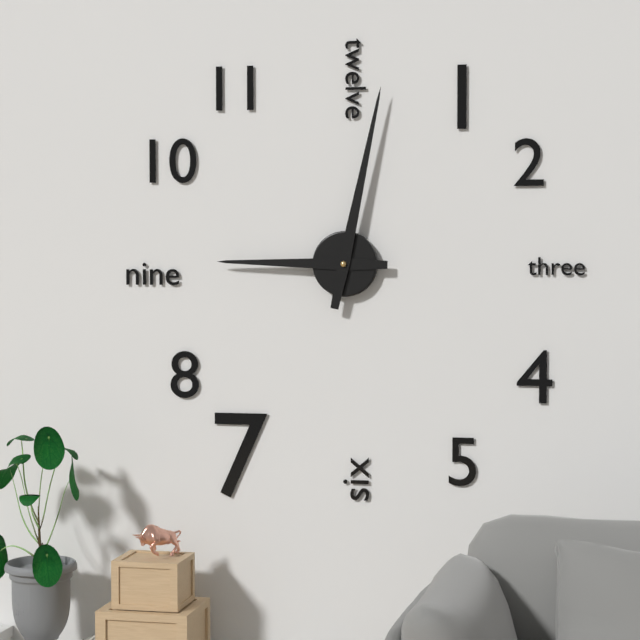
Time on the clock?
9:02
